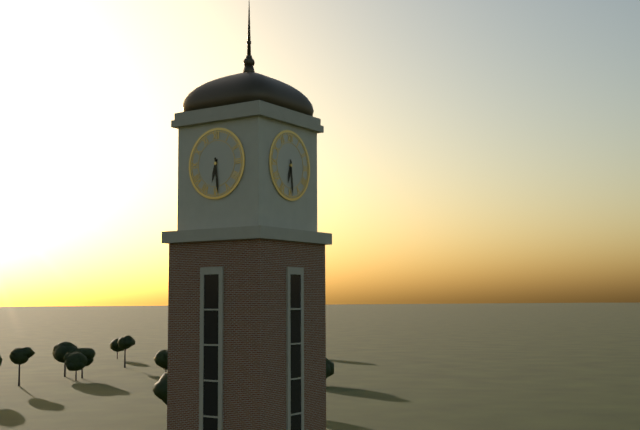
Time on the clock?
6:29
